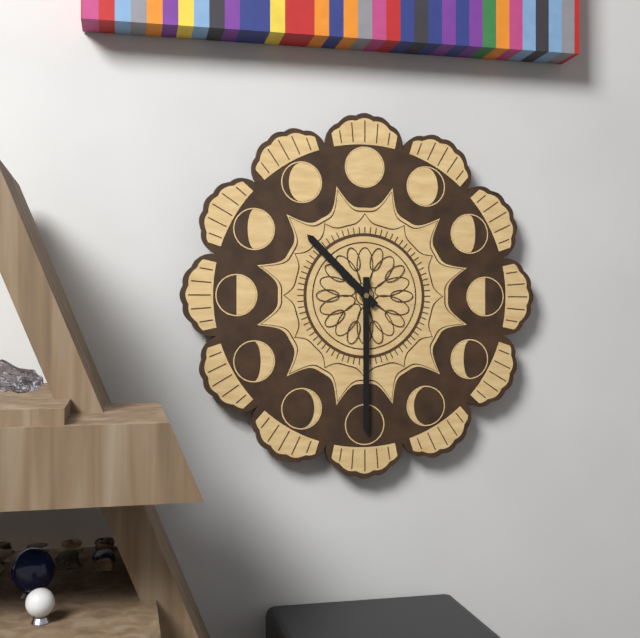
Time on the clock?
10:30
